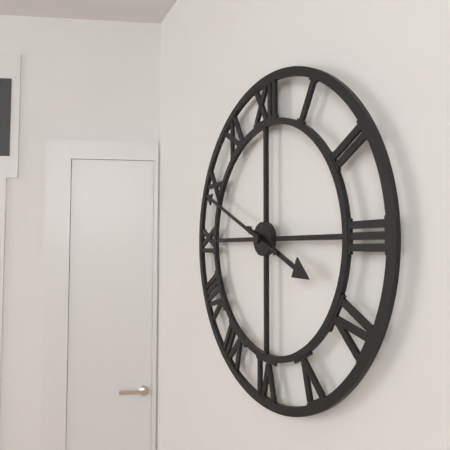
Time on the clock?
3:49
